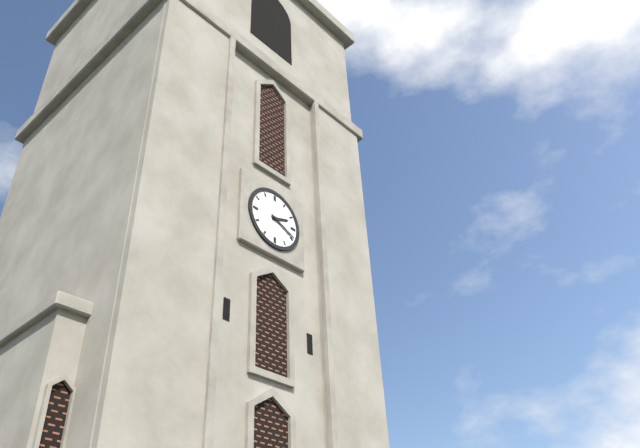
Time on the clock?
2:19
